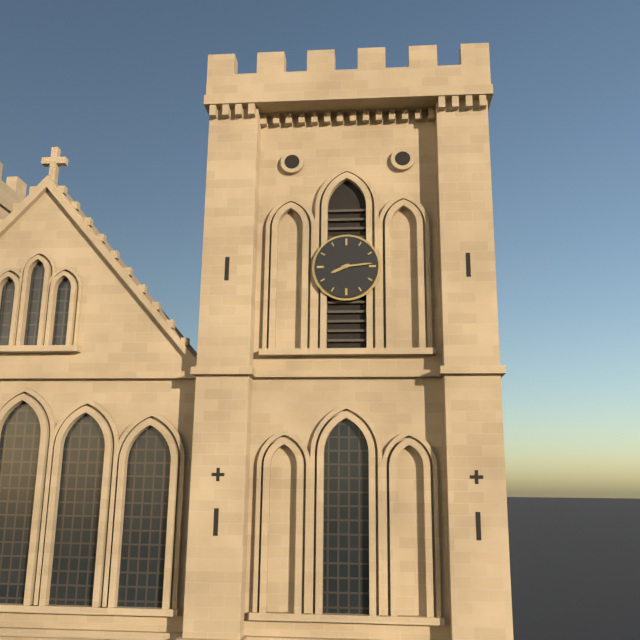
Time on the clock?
8:14
